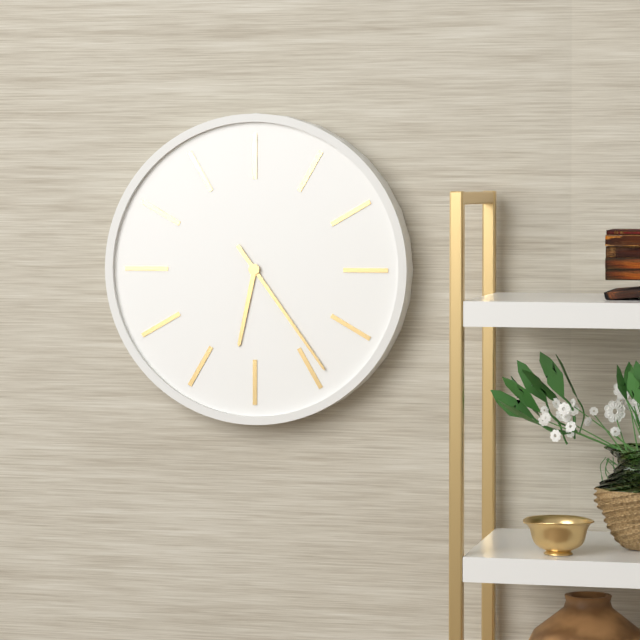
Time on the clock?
6:24
